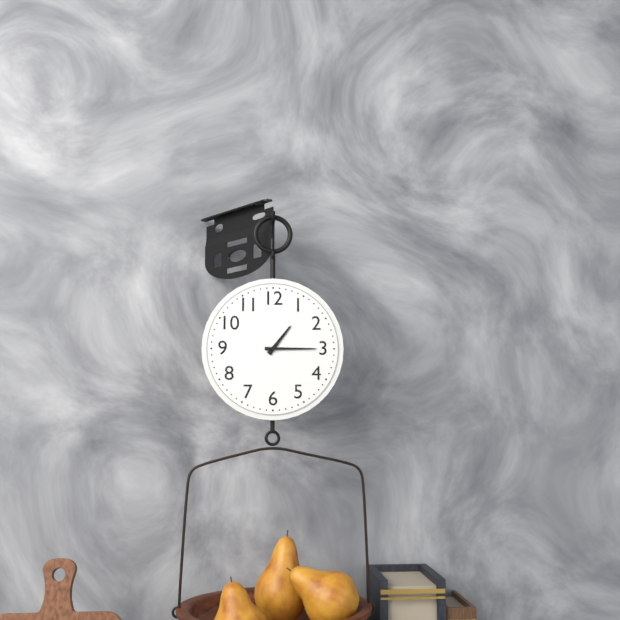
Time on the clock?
1:15
